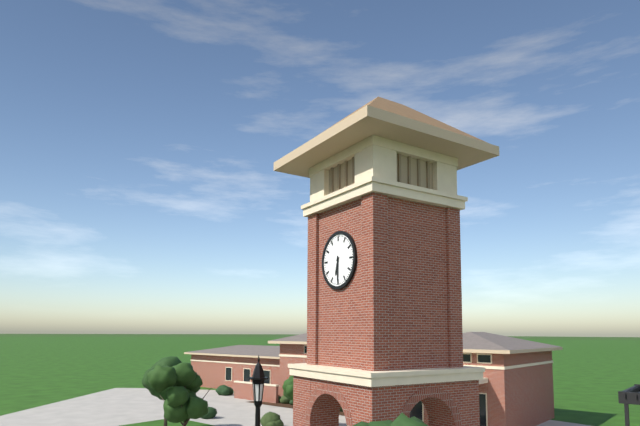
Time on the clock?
6:30
